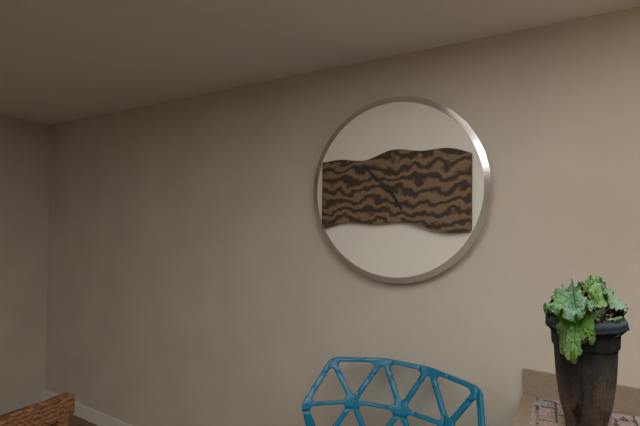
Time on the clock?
4:52
